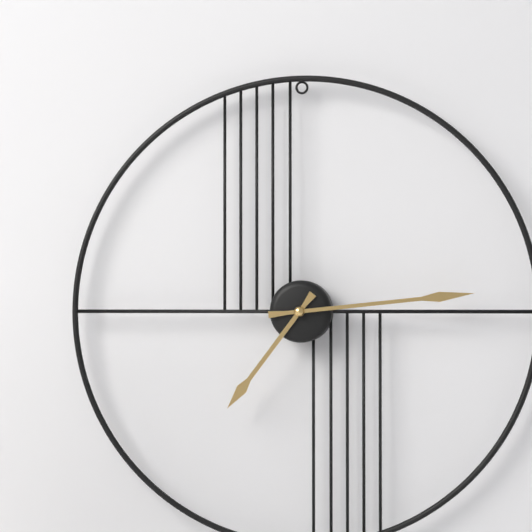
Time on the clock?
7:14
